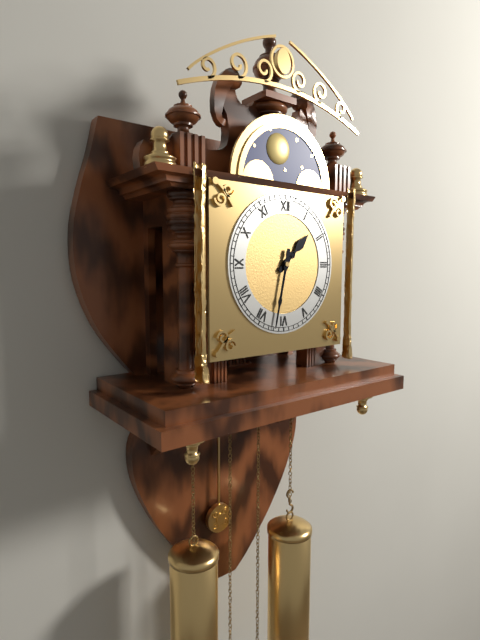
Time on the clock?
1:32
